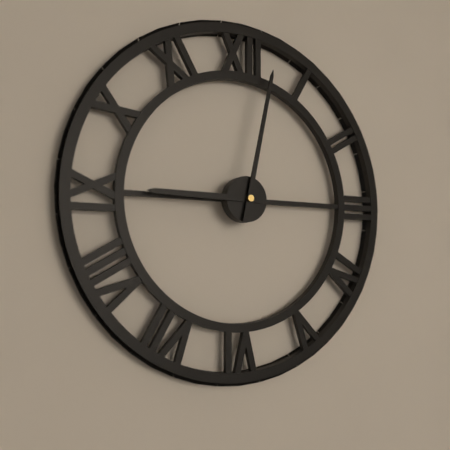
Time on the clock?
9:02
